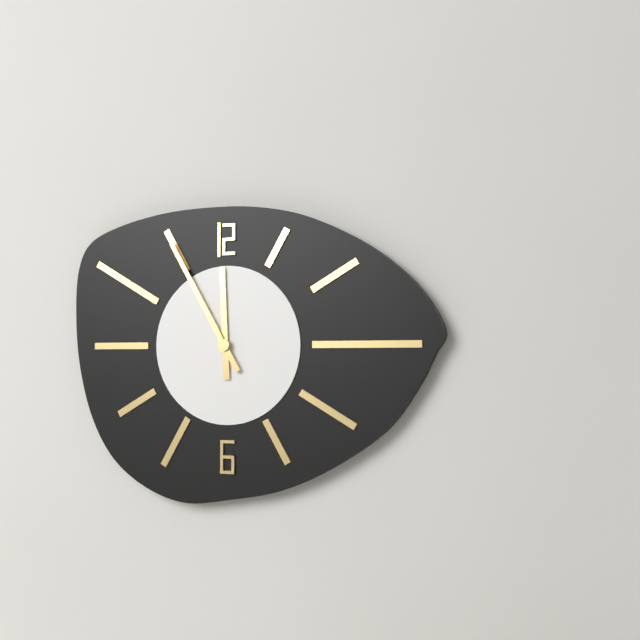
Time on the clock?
11:55
